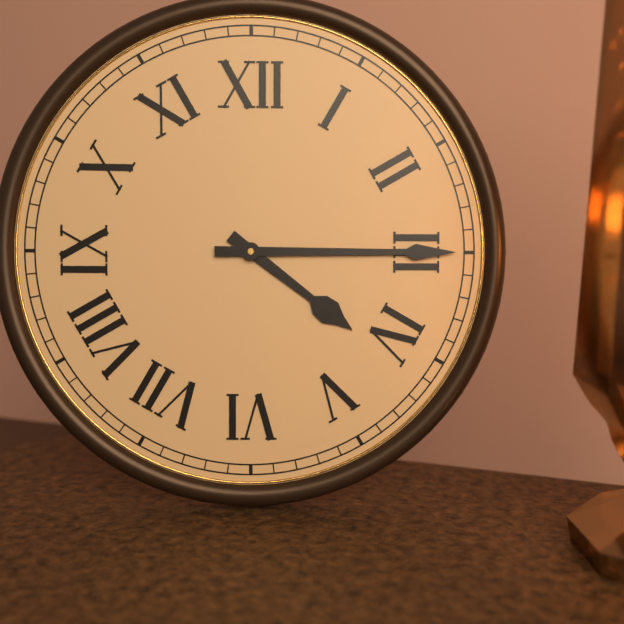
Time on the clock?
4:15
